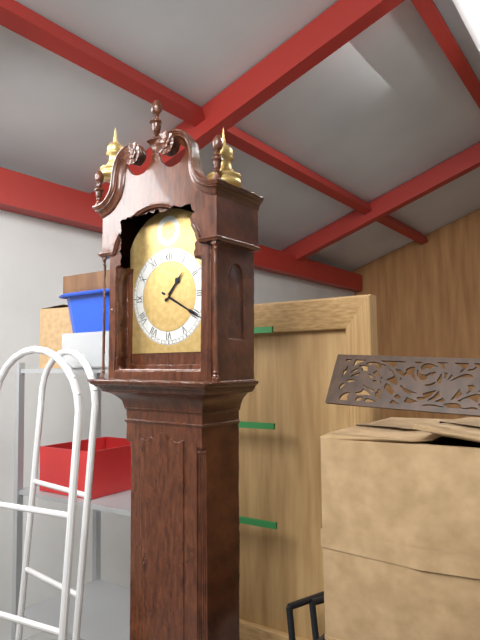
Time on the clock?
1:20
